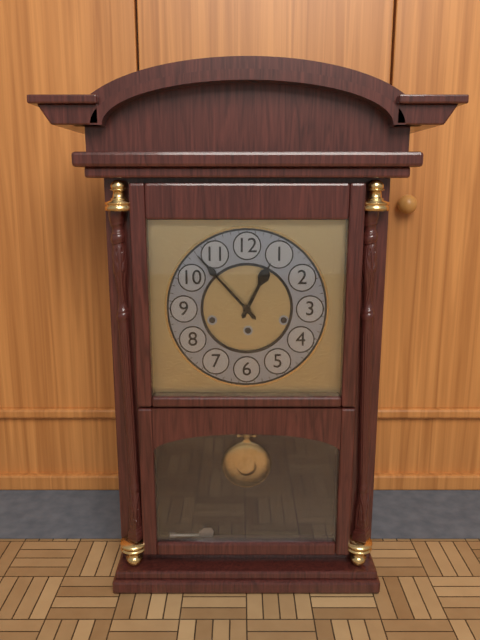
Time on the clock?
12:53
